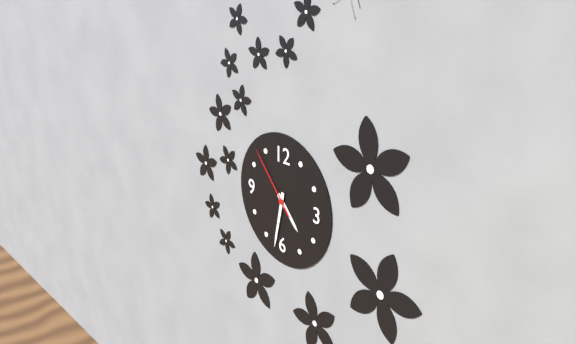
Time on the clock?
4:32:53
